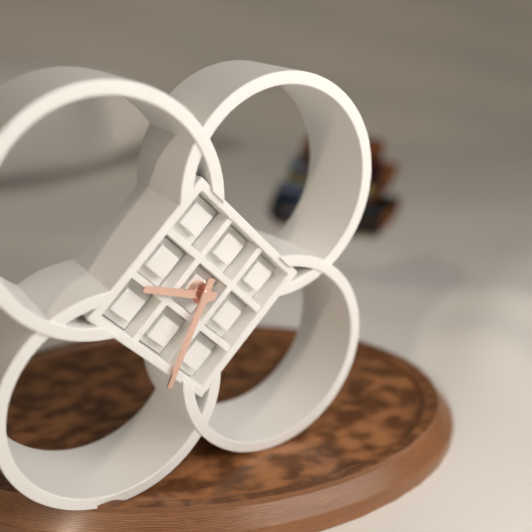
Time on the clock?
9:34
